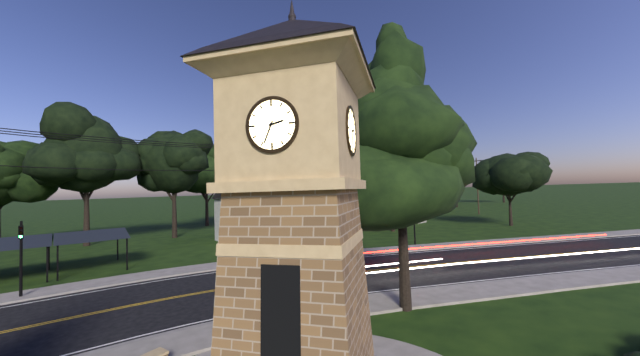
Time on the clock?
2:34
